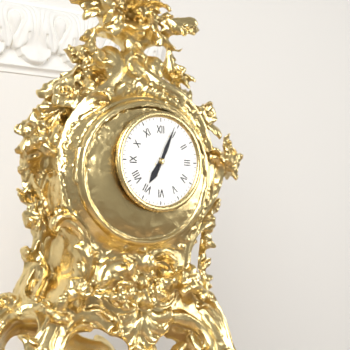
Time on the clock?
7:04
